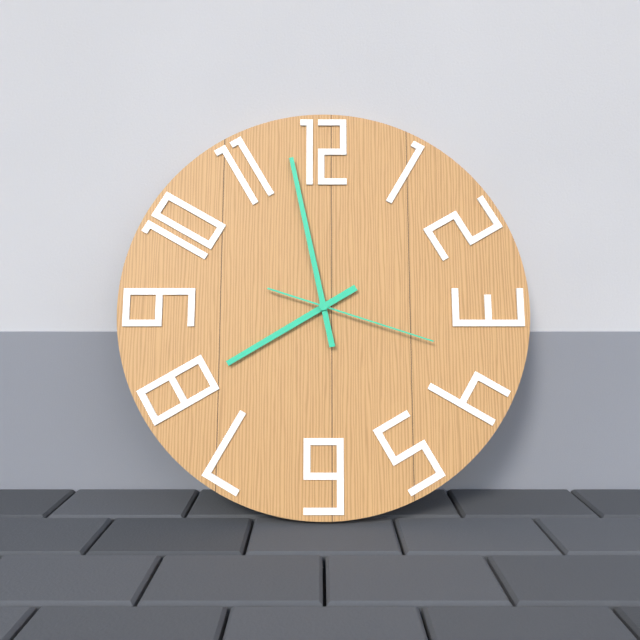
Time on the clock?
7:58:18
